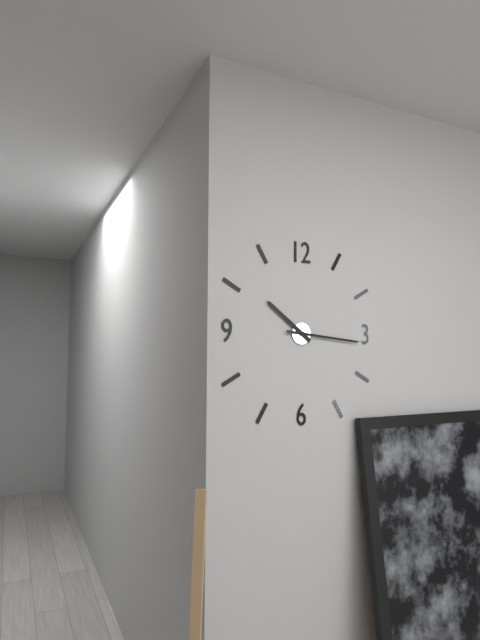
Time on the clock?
10:16
